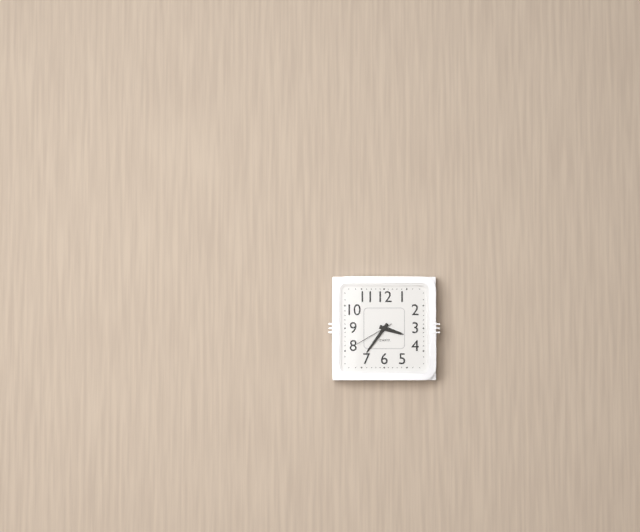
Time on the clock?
3:36
